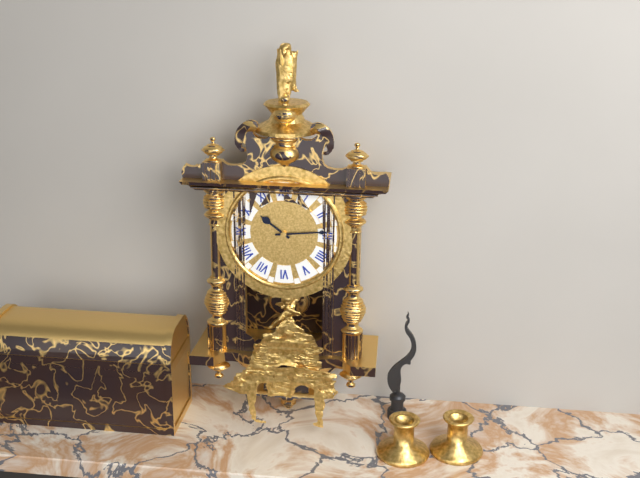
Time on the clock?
10:14
